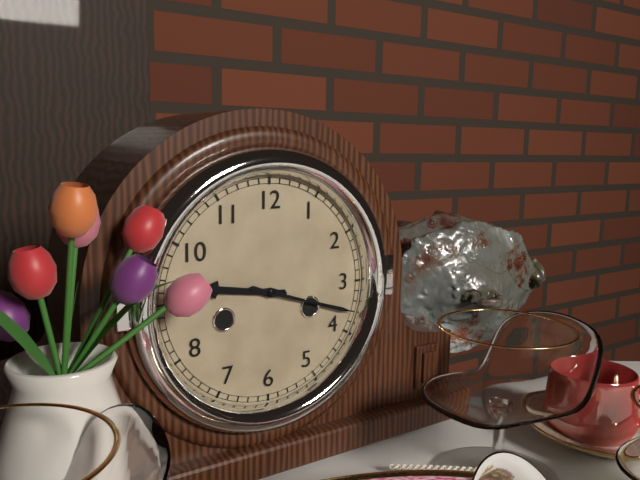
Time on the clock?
9:18
